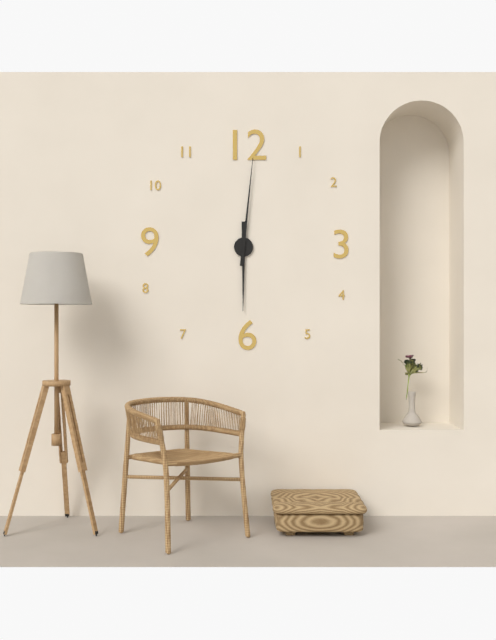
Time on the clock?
6:01
